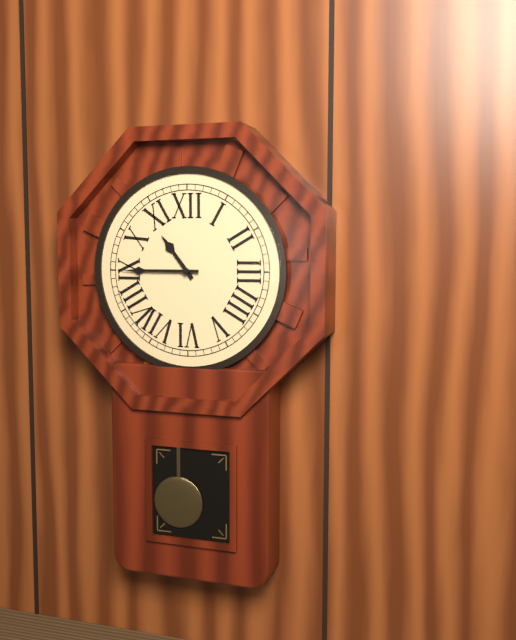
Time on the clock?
10:45
